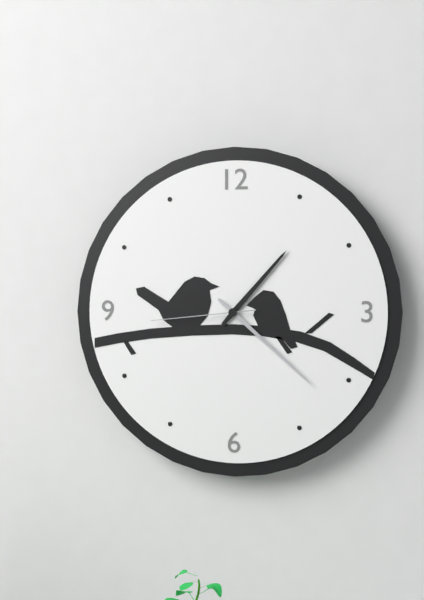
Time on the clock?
1:22:44
